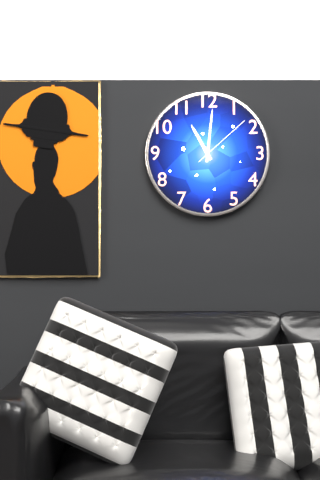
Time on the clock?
11:01:08
